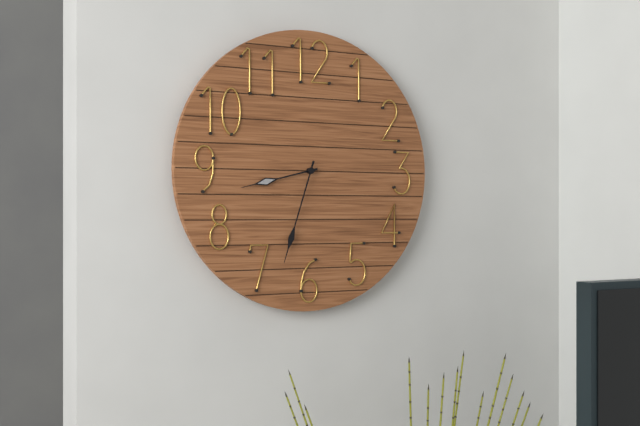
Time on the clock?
8:33
